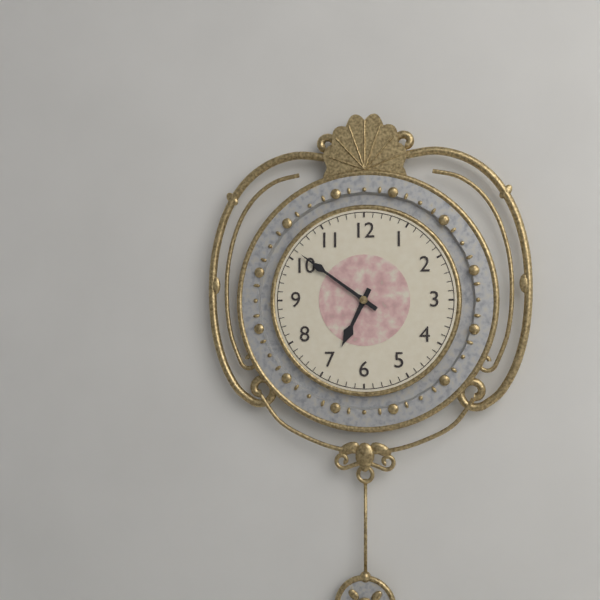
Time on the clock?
6:51
